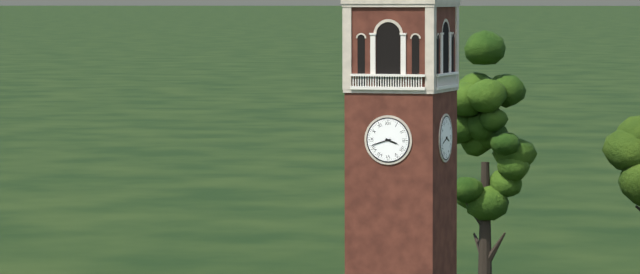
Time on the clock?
3:42
